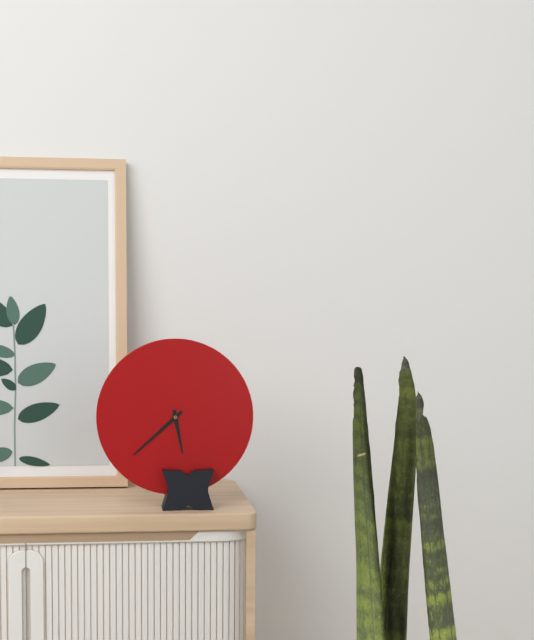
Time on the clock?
5:38
